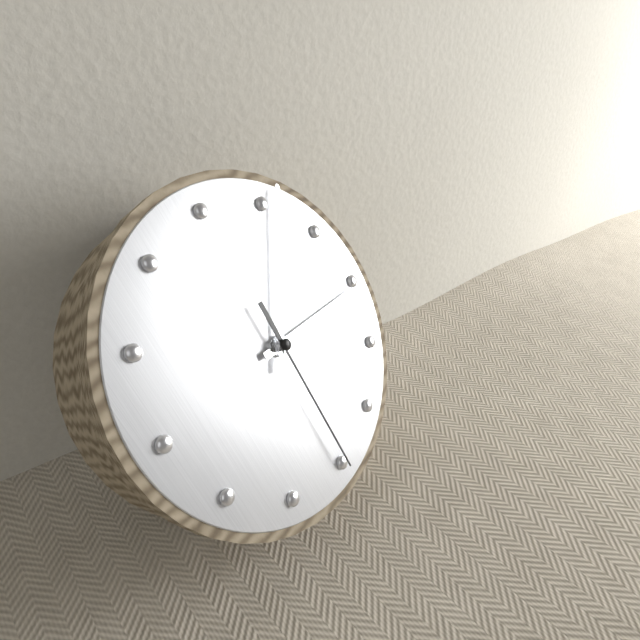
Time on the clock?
3:06:30
